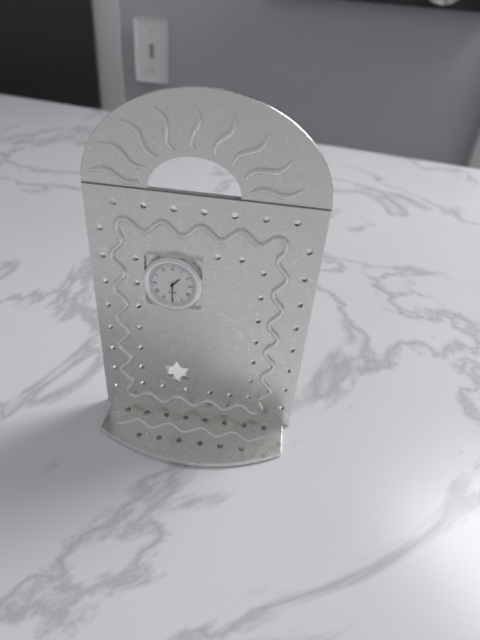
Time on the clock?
1:30
